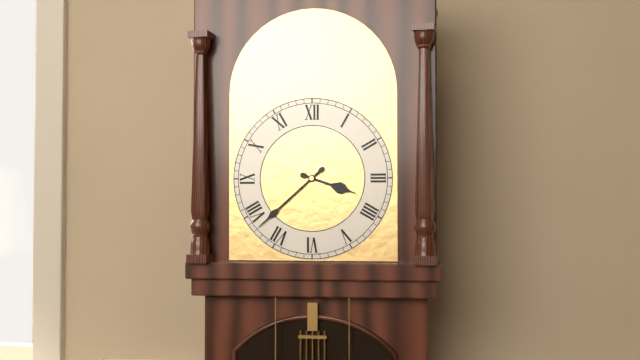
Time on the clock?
3:38
